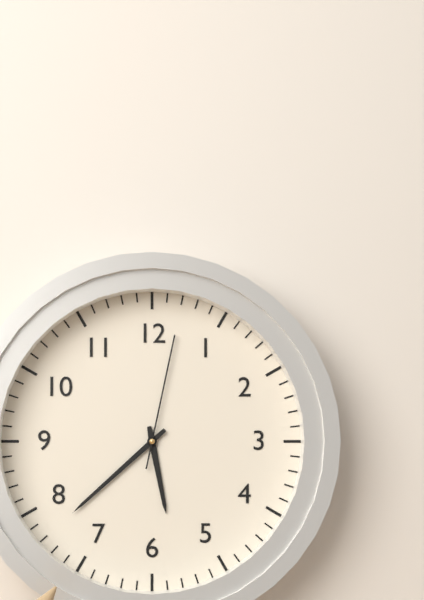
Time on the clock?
5:38:02
